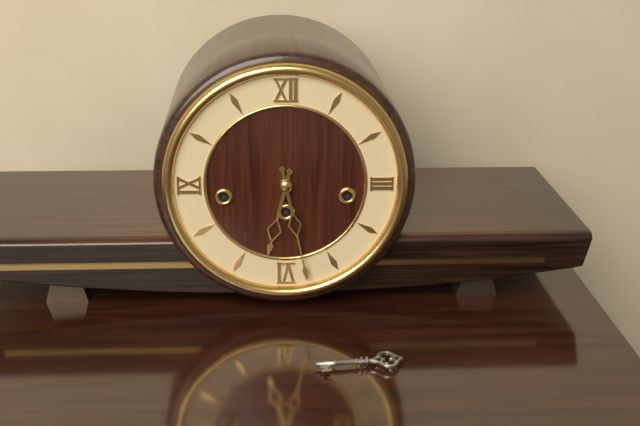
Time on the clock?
6:28
